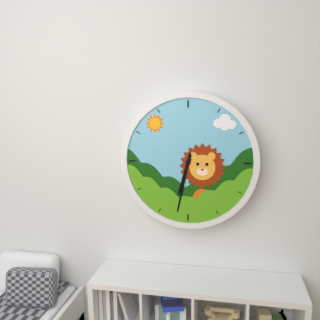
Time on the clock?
6:32
